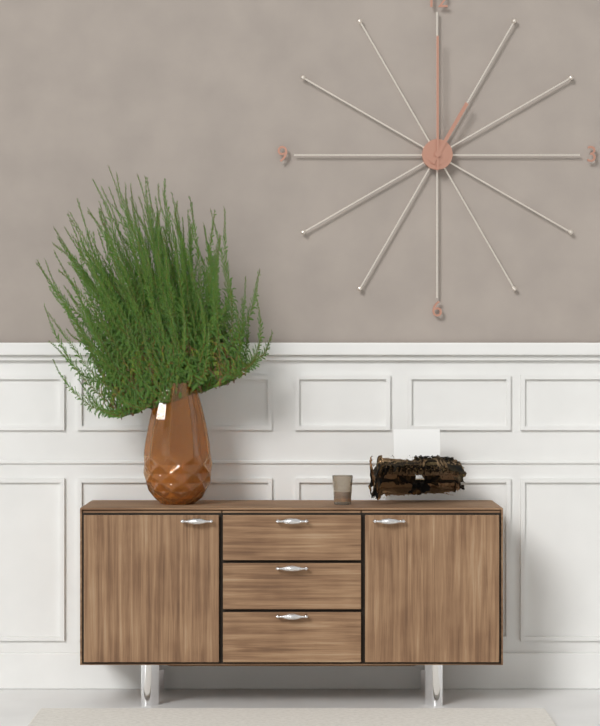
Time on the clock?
1:00
